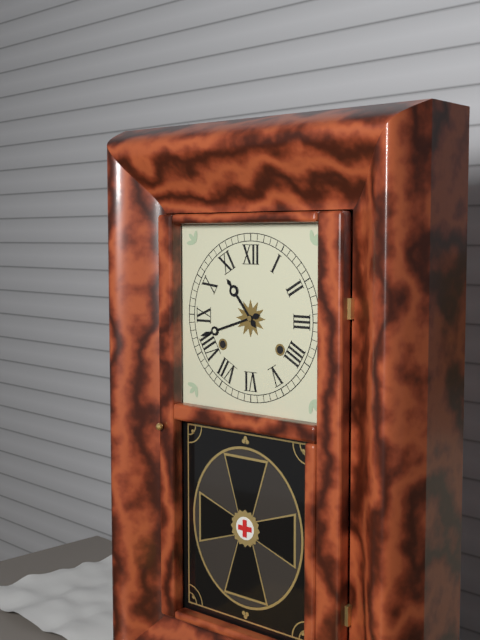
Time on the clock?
10:42
